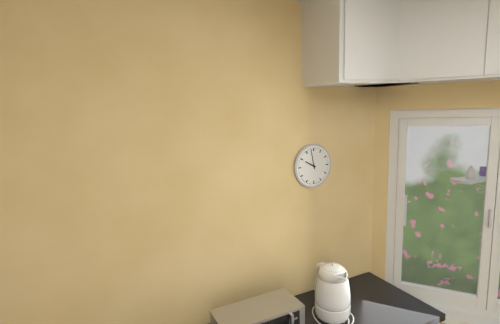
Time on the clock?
9:58
